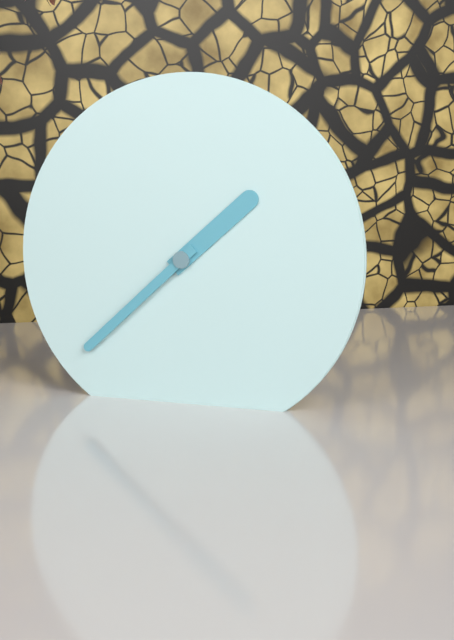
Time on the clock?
1:38
